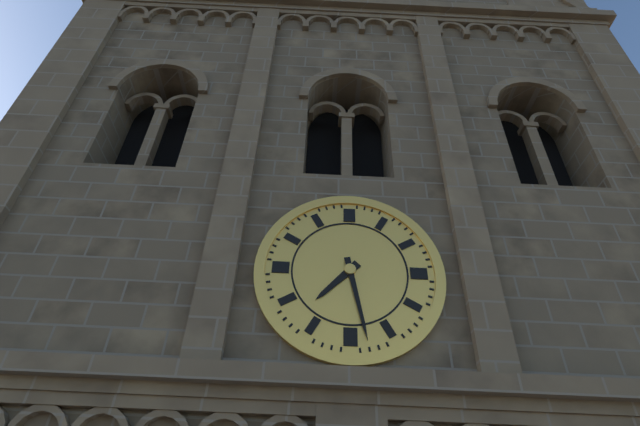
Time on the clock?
7:28
